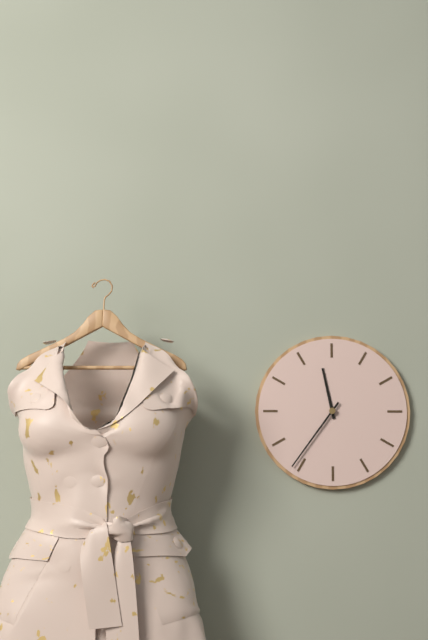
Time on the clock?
11:36
